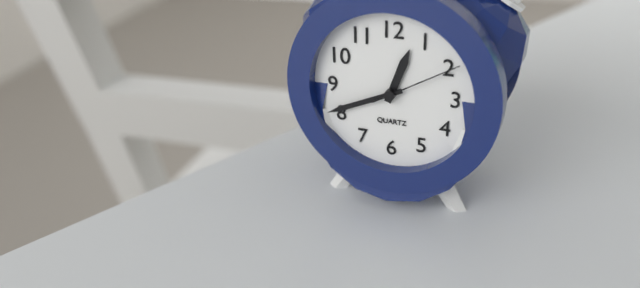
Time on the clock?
12:41:10
